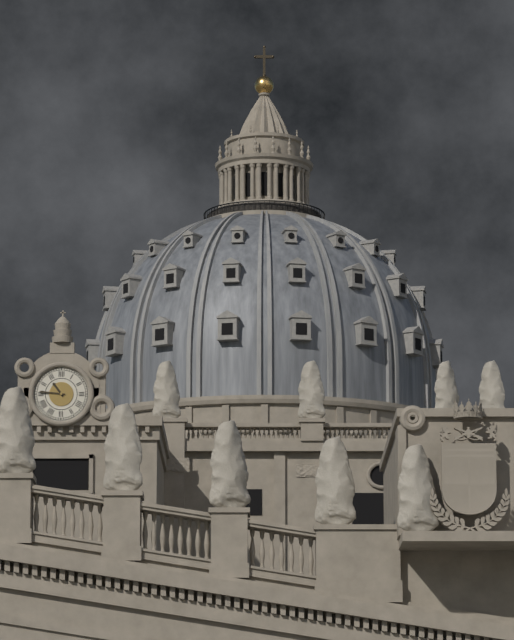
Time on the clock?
10:46
